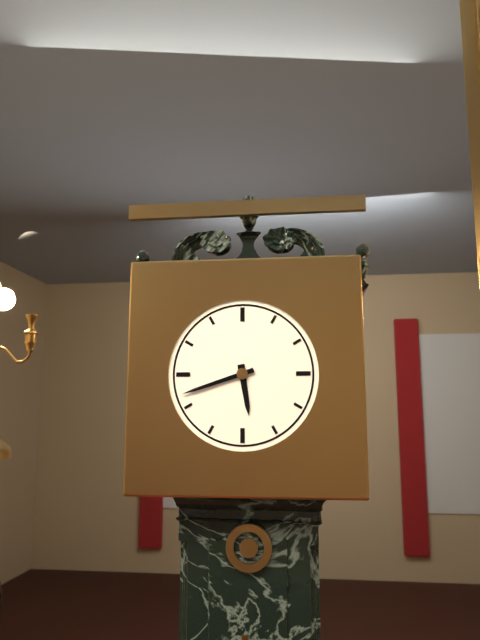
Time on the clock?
5:42
